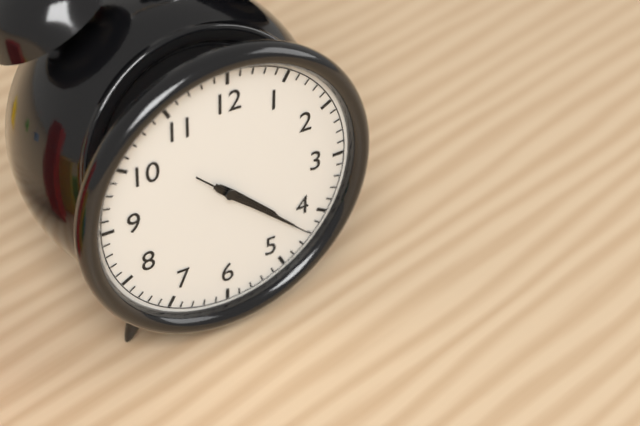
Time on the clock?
4:22:22
